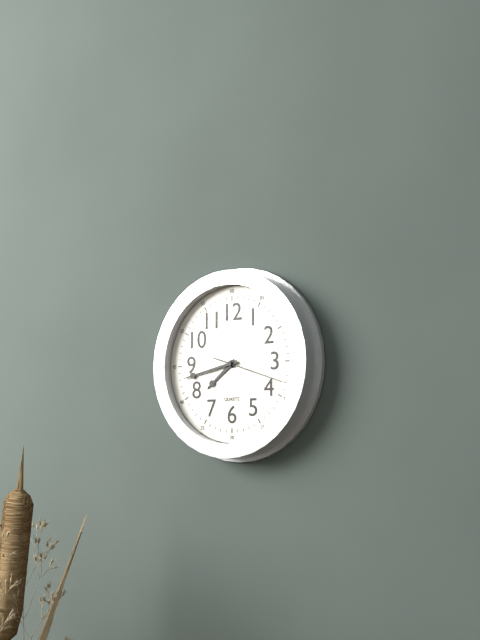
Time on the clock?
7:43:18
